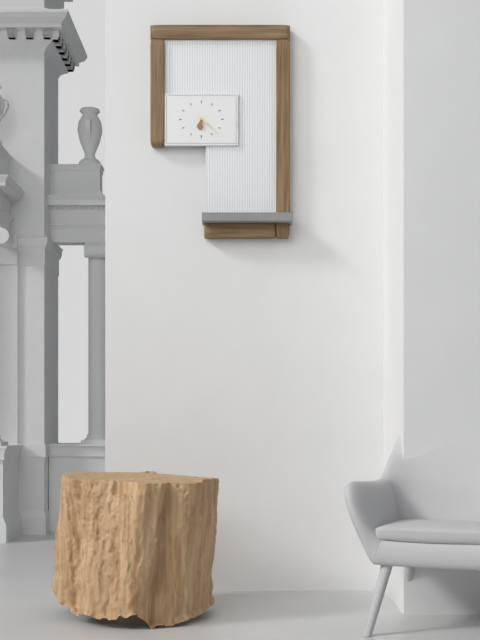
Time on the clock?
6:22
